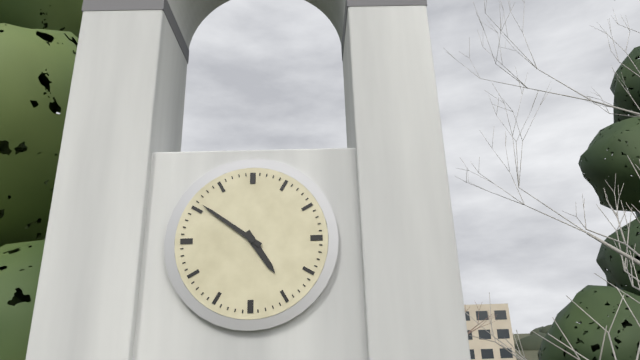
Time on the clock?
4:51
